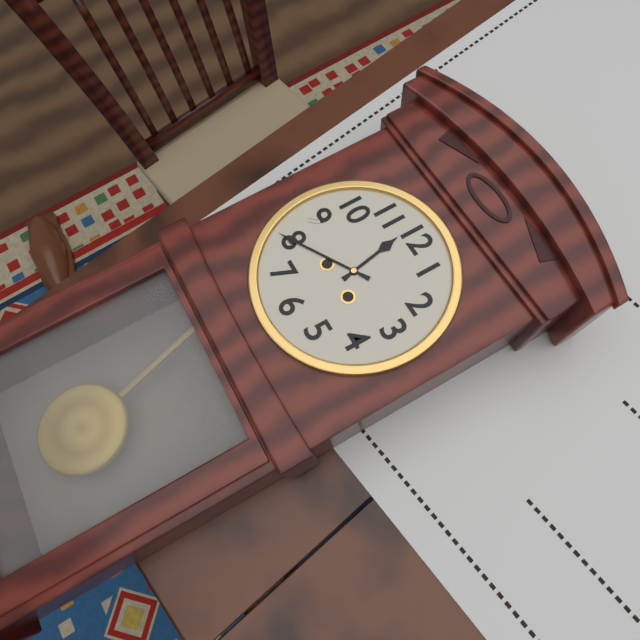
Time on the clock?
11:40
